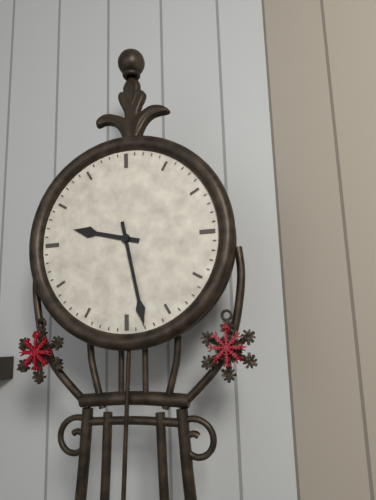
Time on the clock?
9:28
